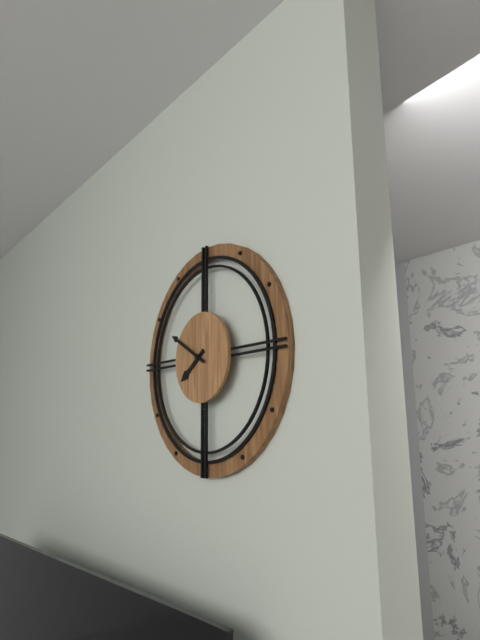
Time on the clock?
7:50
